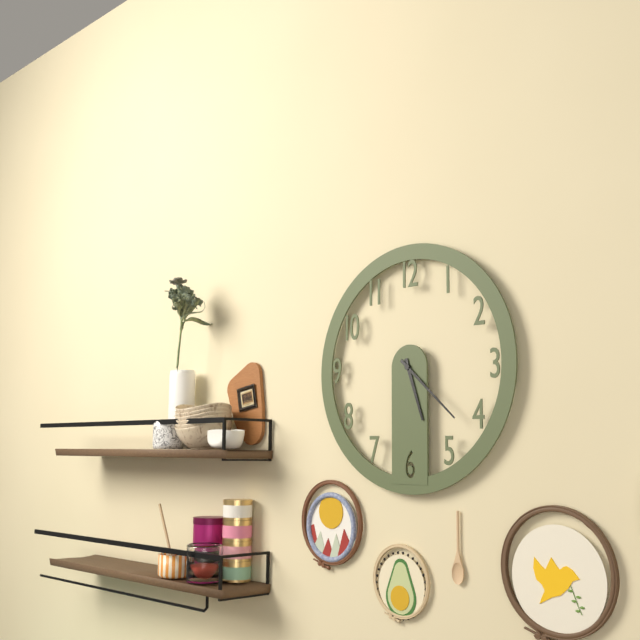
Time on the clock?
5:22
